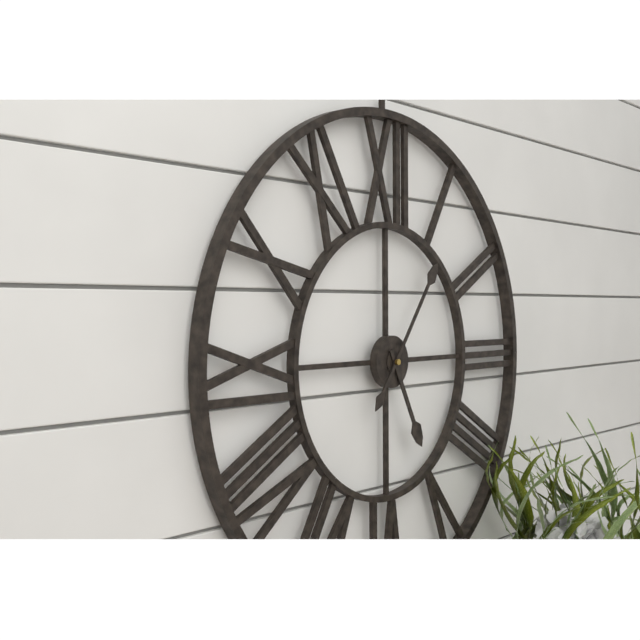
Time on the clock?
5:06
